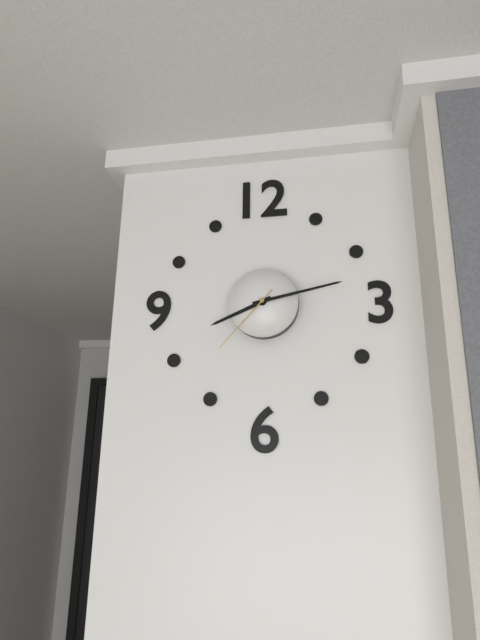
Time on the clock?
8:13:37
